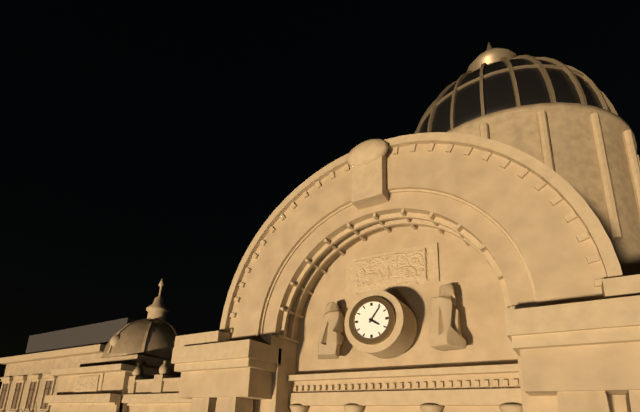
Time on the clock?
4:06
